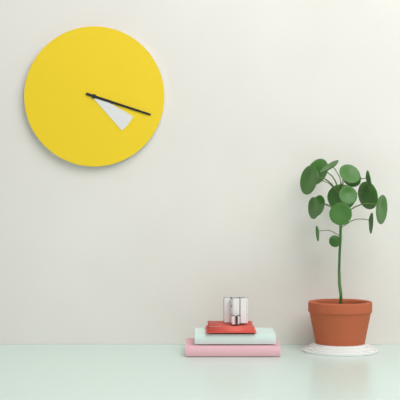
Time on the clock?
4:18
